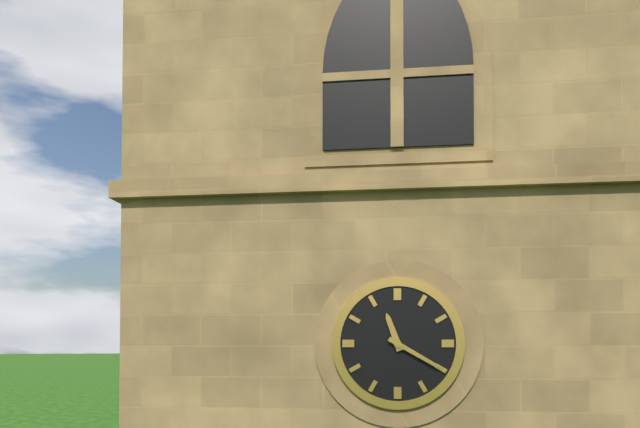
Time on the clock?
11:20
